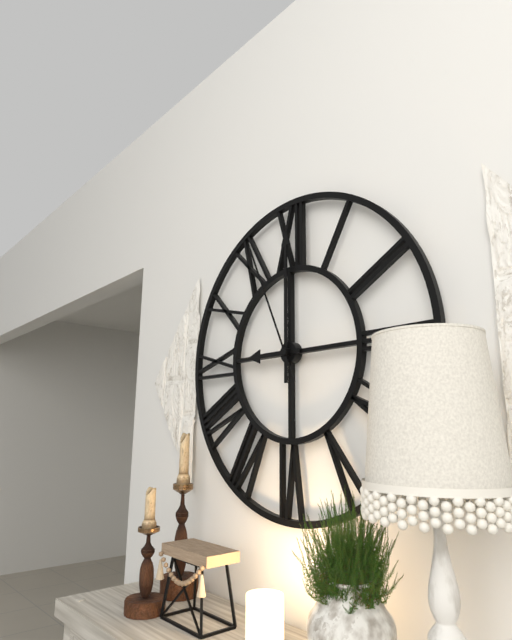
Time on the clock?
9:00:56
